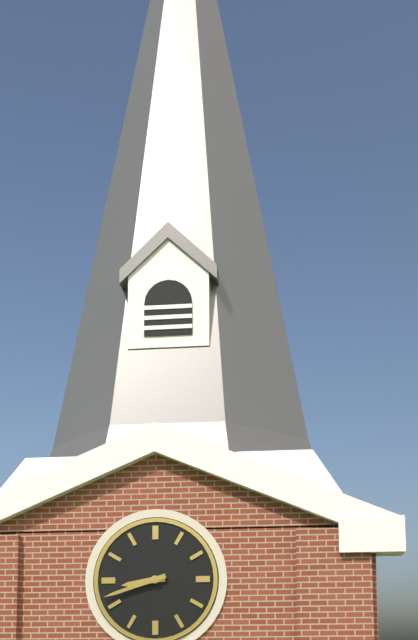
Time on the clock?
8:42
